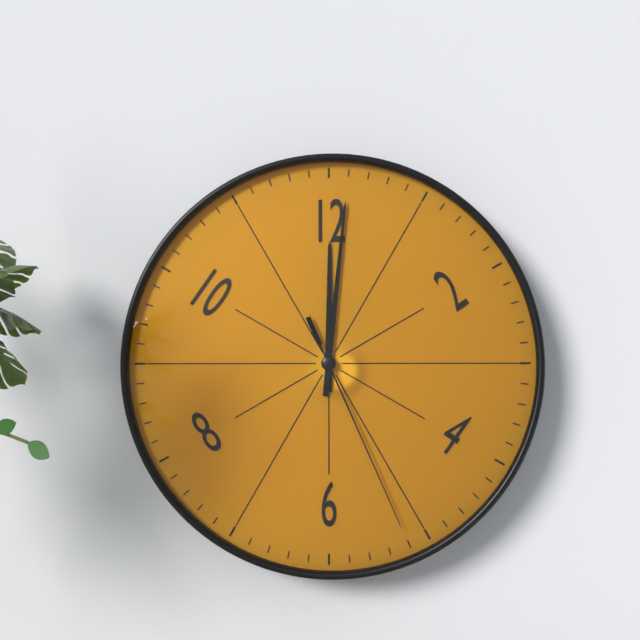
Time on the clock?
12:01:26
